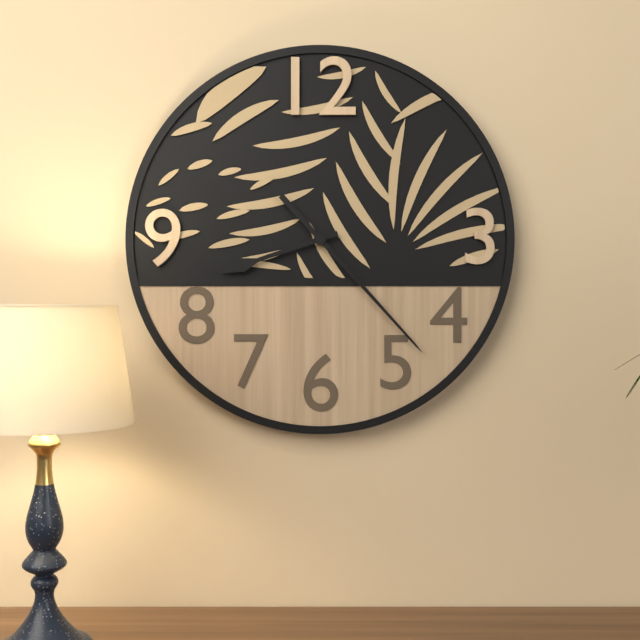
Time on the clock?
8:23
